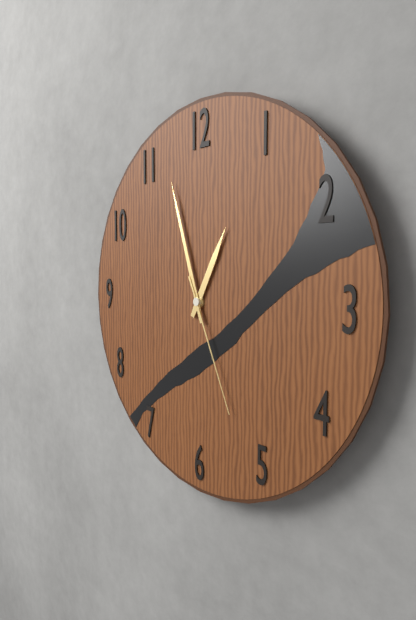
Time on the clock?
12:57:26
